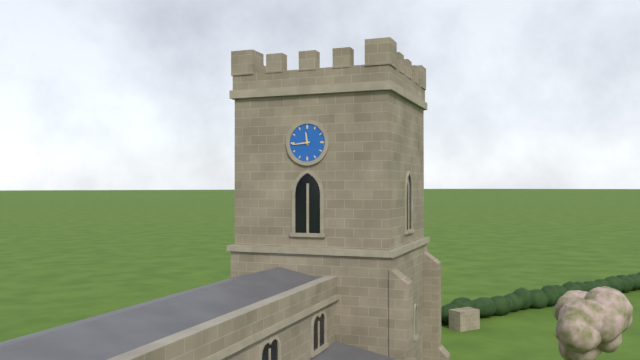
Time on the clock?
11:44
